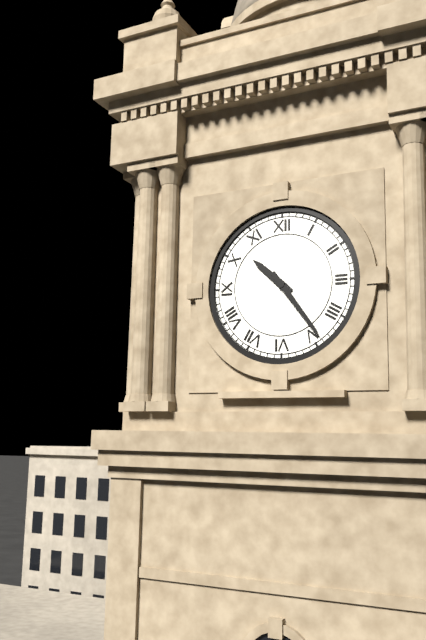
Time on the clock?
10:24
